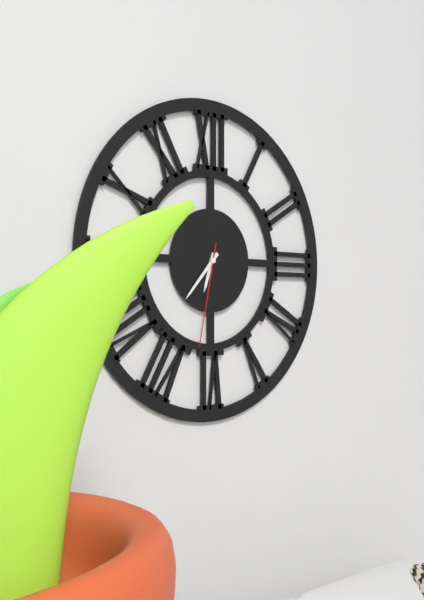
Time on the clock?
6:37:32
